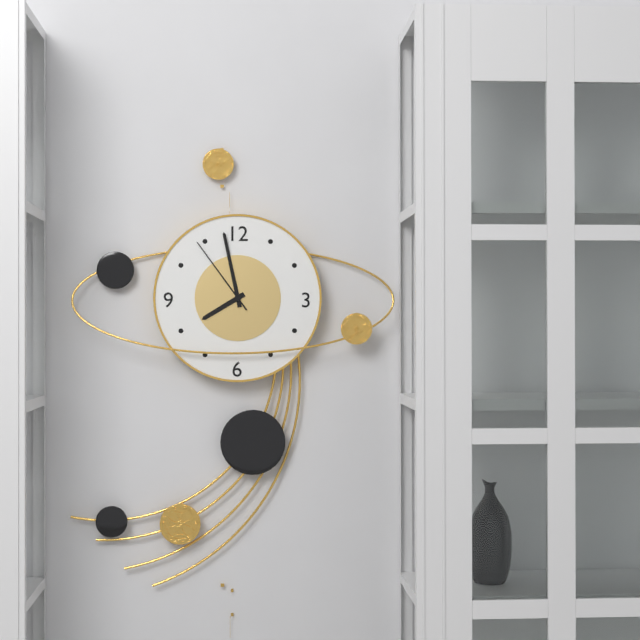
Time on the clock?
7:58:54
